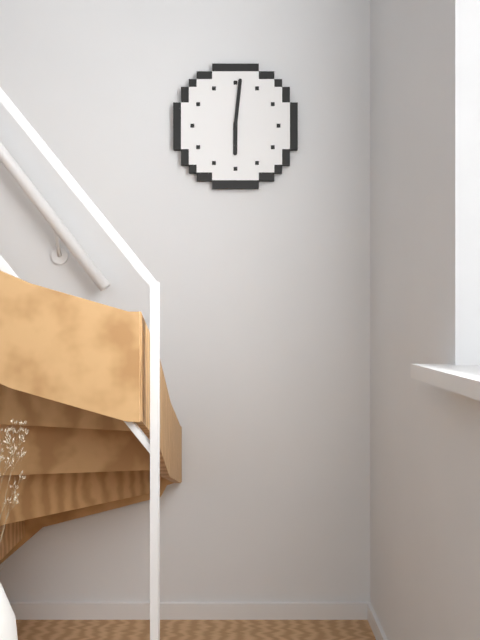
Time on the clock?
6:01
